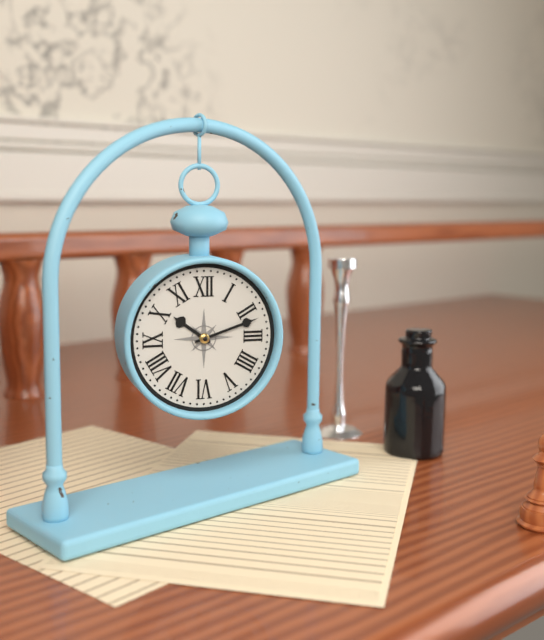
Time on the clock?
10:12
